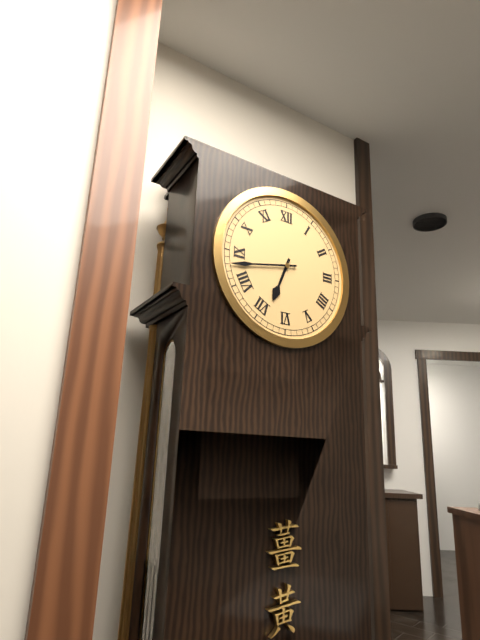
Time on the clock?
6:43
